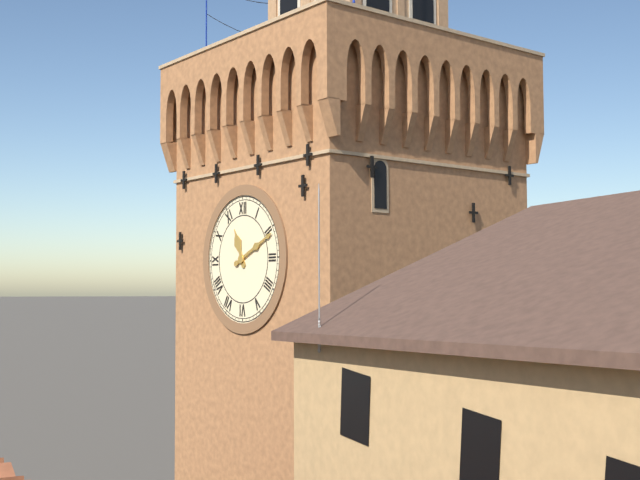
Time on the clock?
11:11
